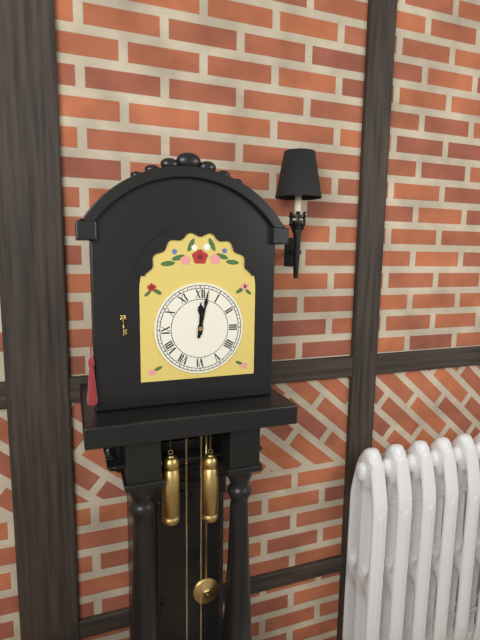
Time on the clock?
12:02
